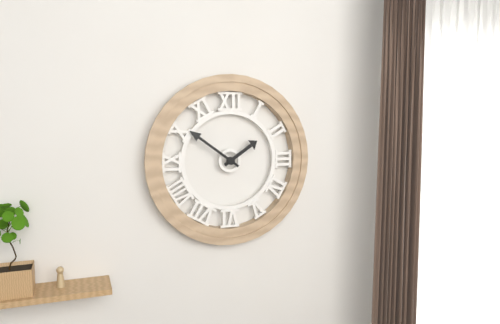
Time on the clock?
1:51
